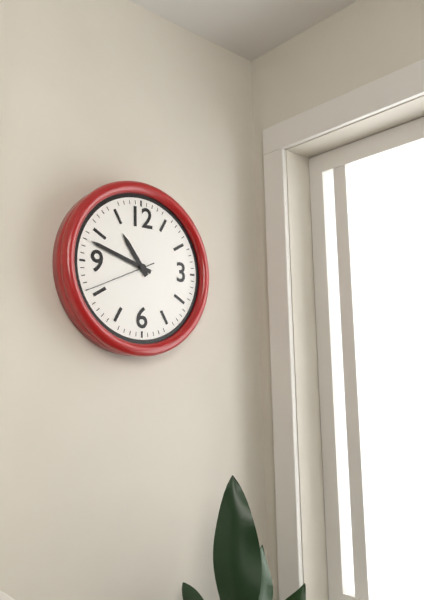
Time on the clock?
10:48:41
